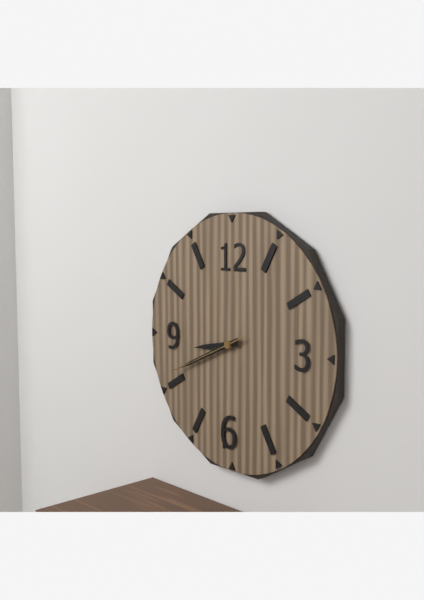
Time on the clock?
8:41:41
